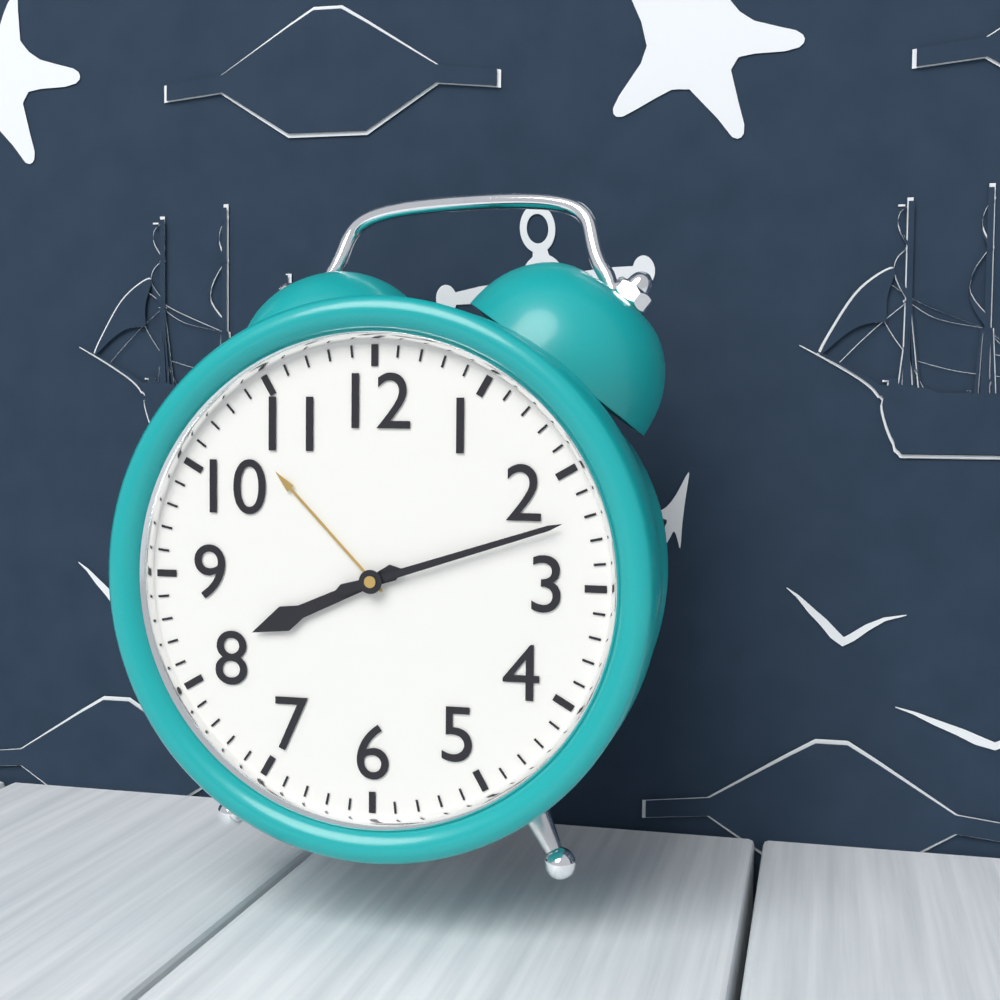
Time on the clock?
8:12
